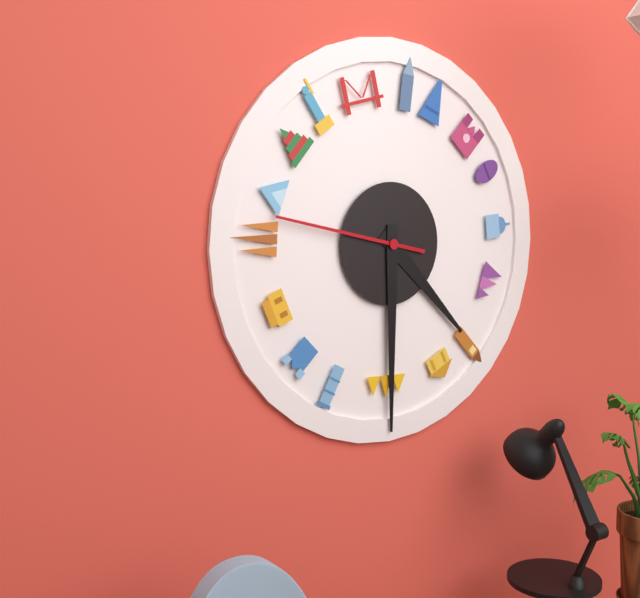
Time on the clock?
4:30:47
